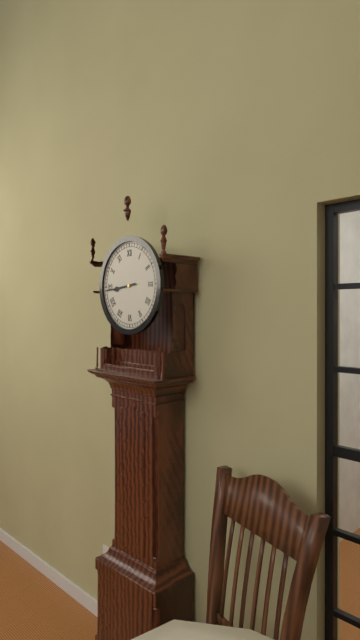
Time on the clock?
8:44
